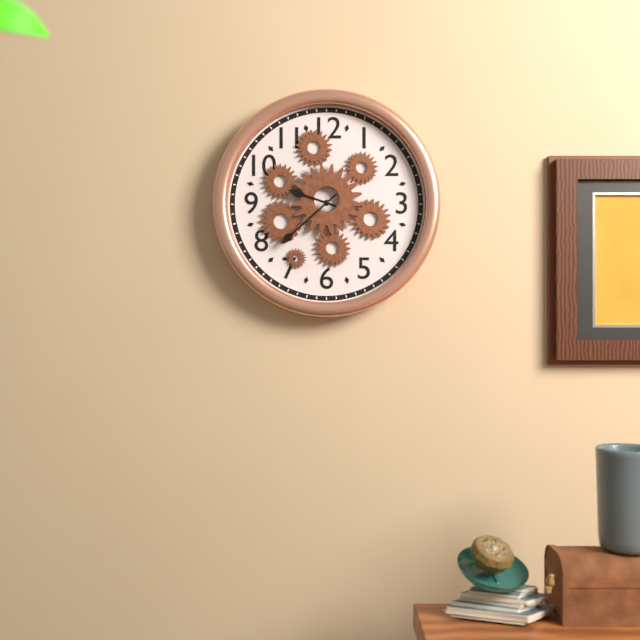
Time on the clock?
9:38
